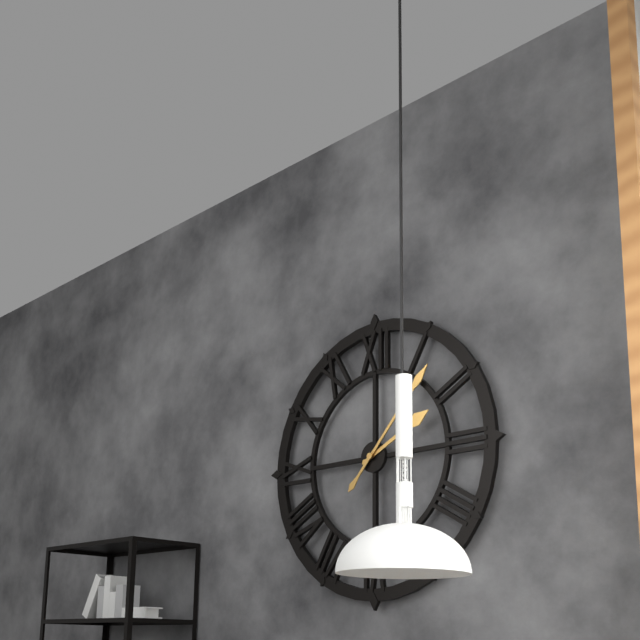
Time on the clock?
2:07
